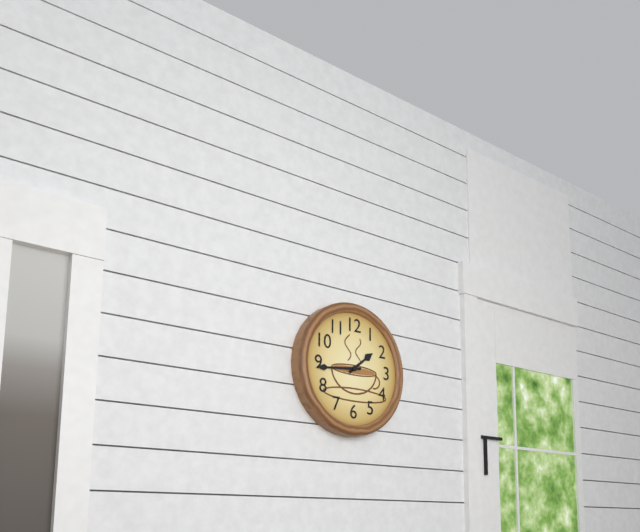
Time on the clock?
1:44
